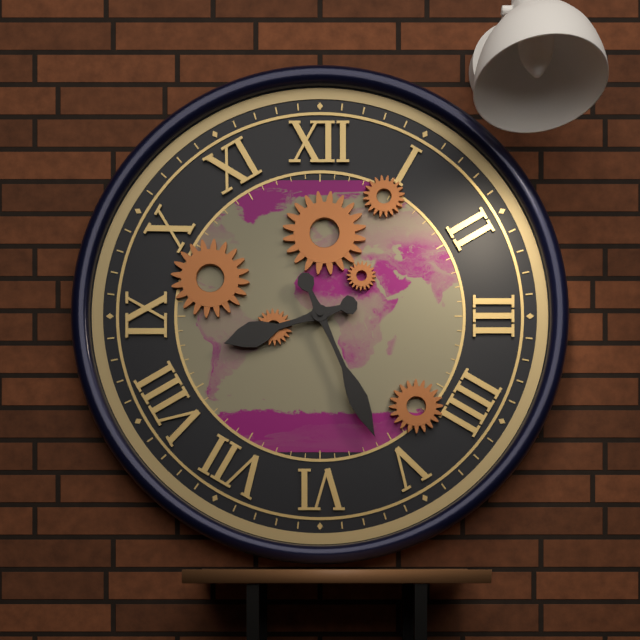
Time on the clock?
8:26
